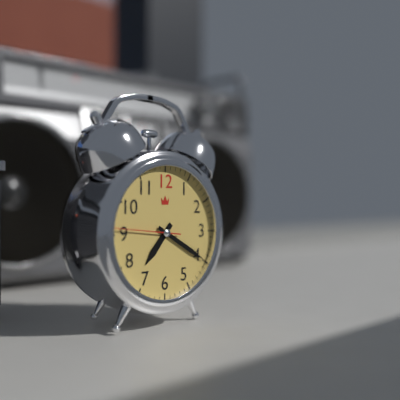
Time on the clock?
7:20:46
